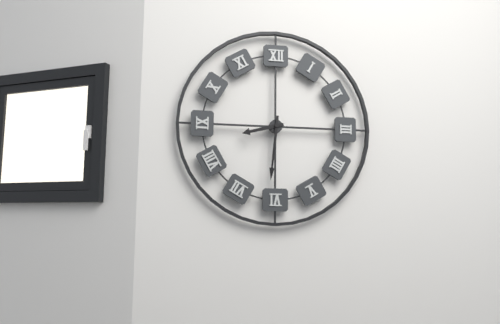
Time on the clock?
8:31
